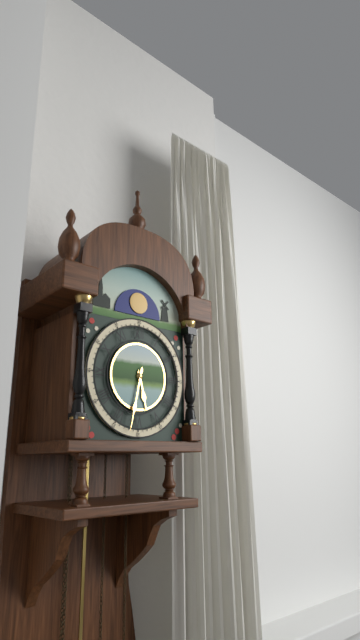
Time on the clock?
5:32
